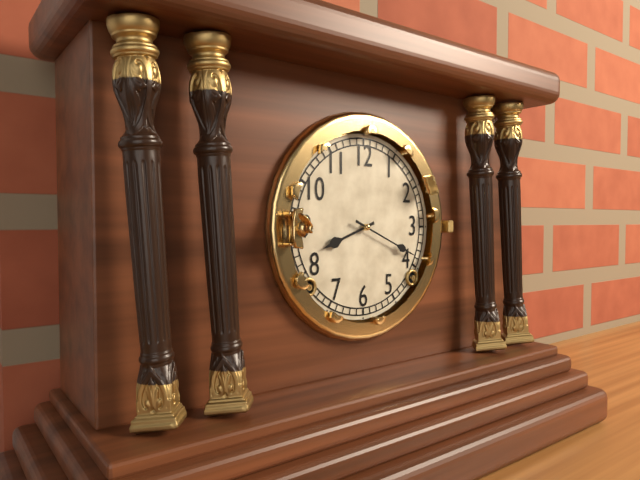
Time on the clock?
8:19
